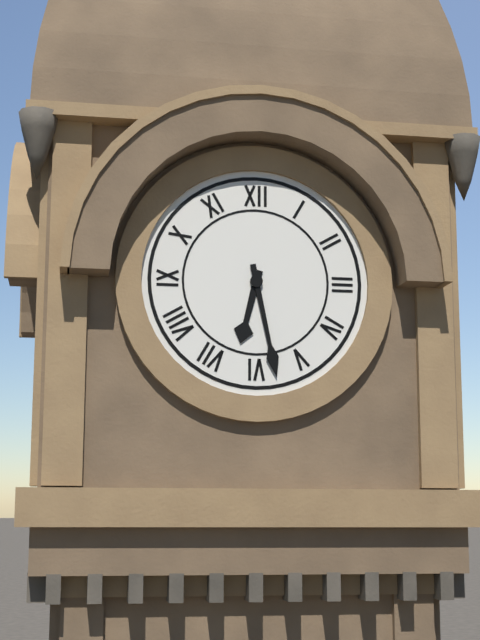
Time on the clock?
6:28
